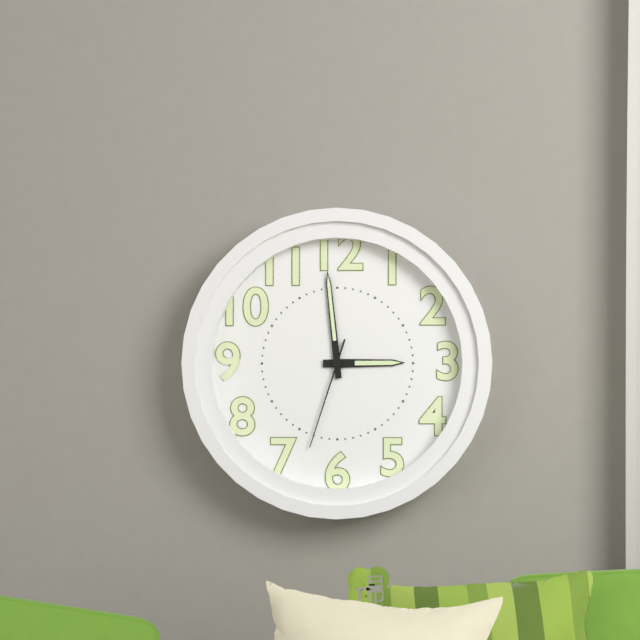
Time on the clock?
2:59:33
